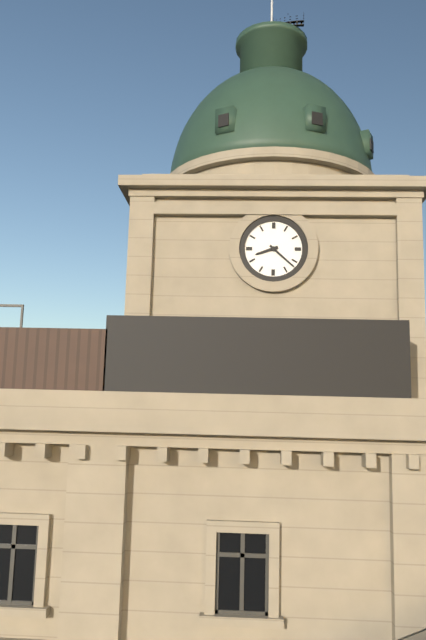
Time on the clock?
8:22
